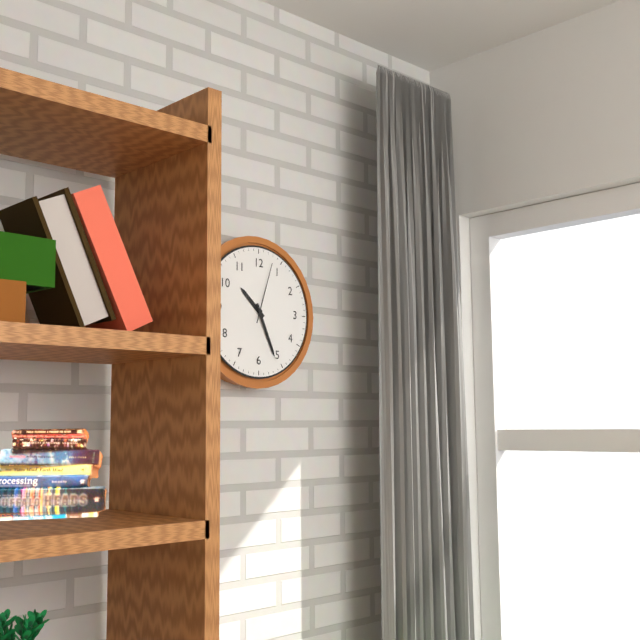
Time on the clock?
10:26:03
